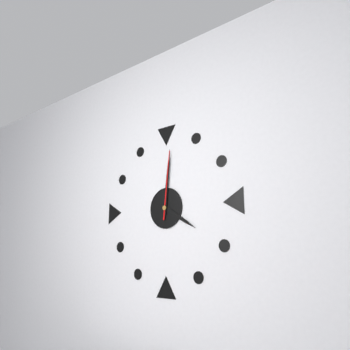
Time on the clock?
4:01:01
